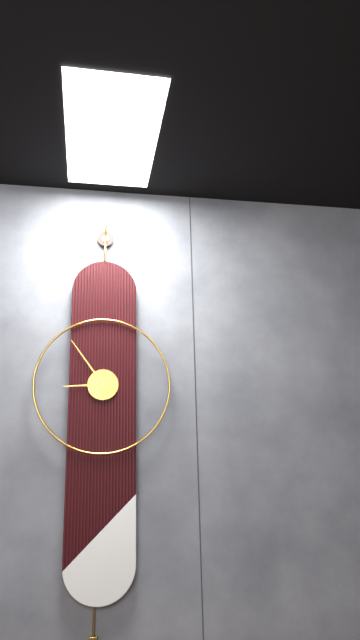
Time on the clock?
8:54
